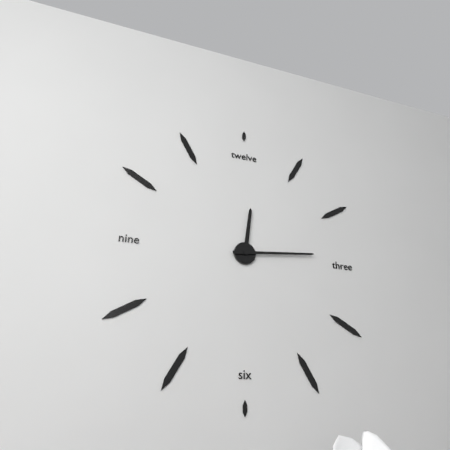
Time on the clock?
12:14
